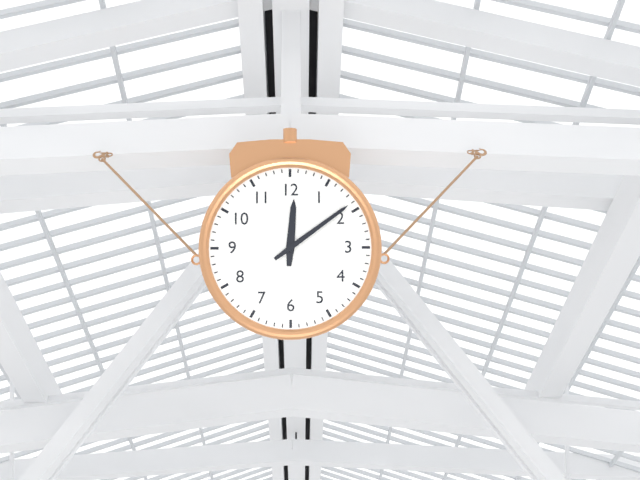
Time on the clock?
12:09
